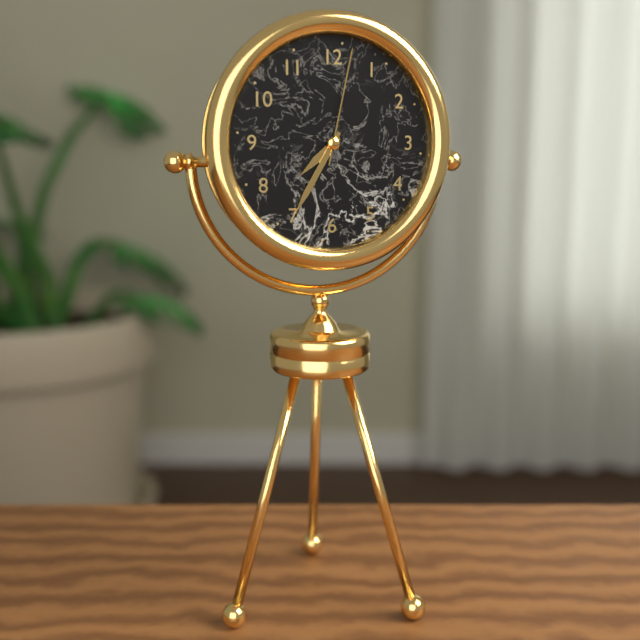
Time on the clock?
7:35:02
